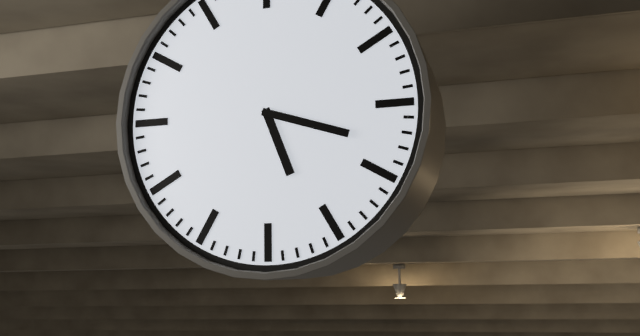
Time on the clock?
5:18
